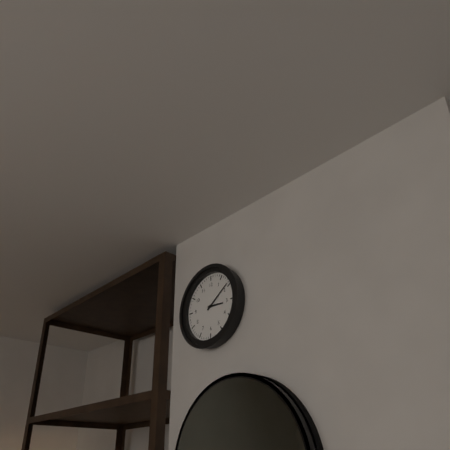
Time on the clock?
3:09
